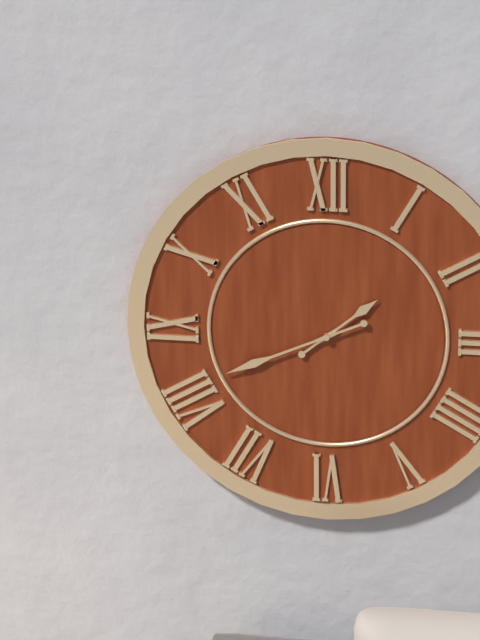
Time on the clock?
1:41
